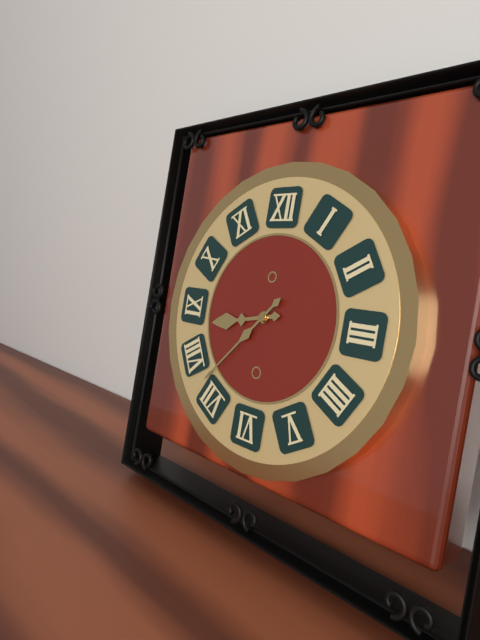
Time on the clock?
8:37
